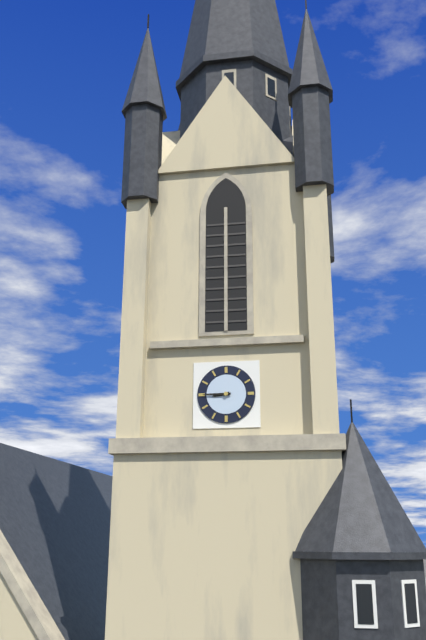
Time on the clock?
8:45
